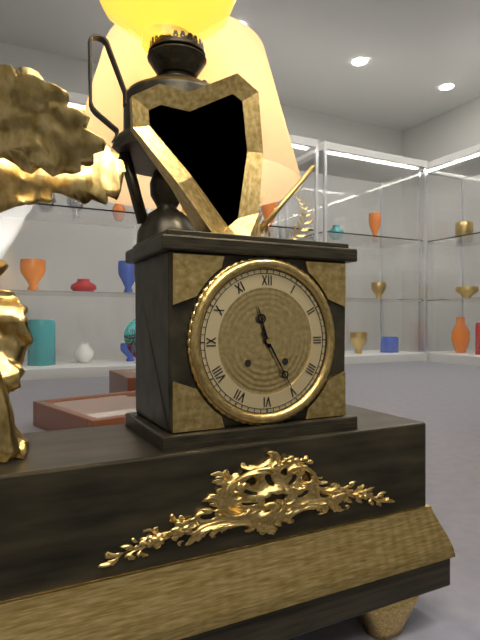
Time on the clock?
11:25
